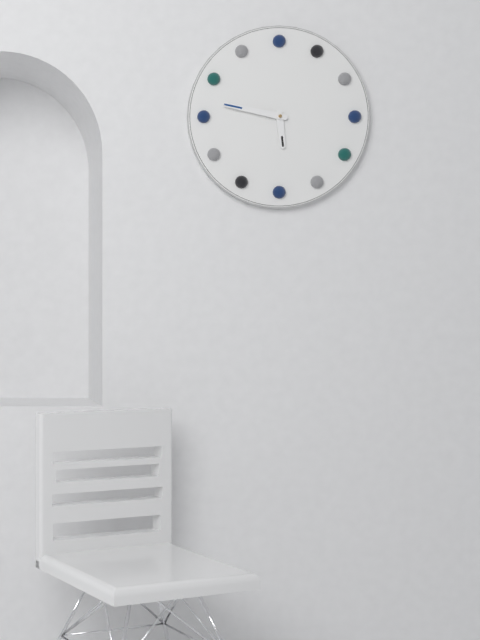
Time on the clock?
5:47
